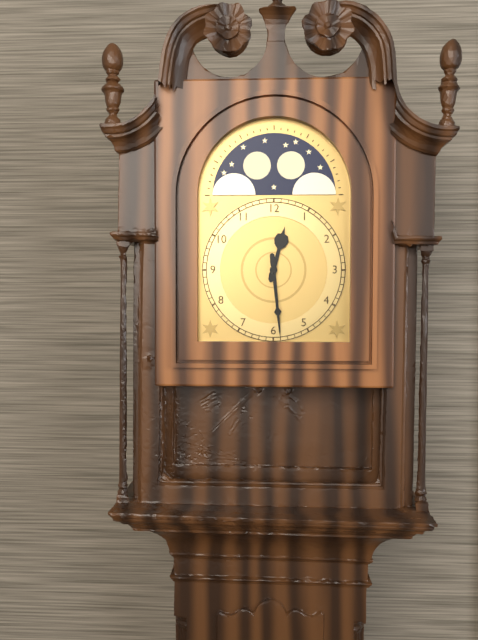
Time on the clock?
12:29
